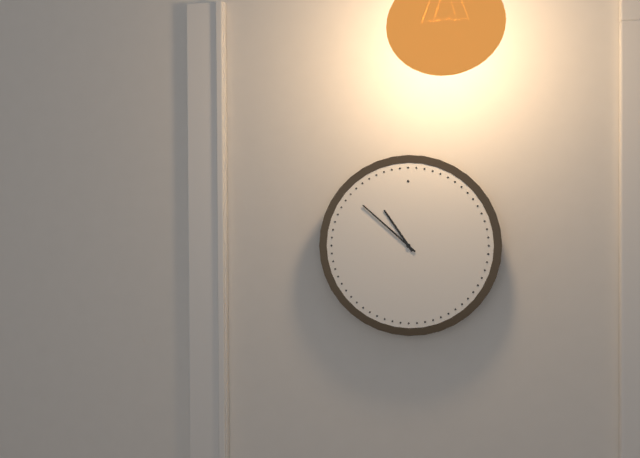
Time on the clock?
10:52
